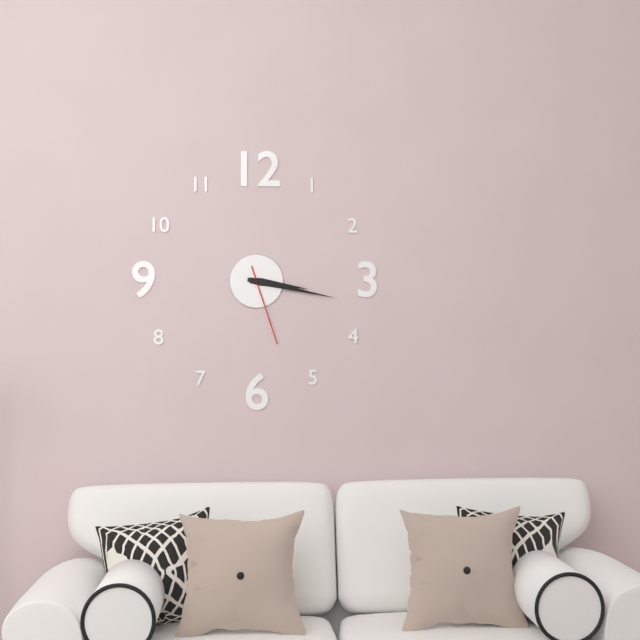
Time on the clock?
3:17:27
